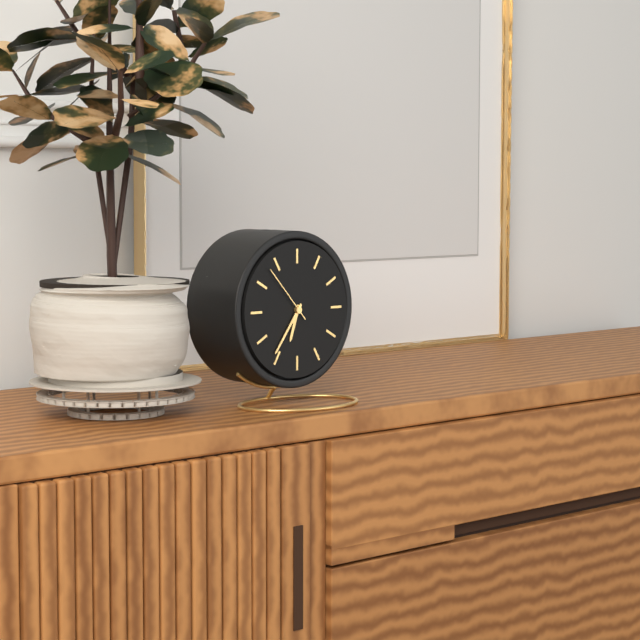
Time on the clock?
6:36:53
